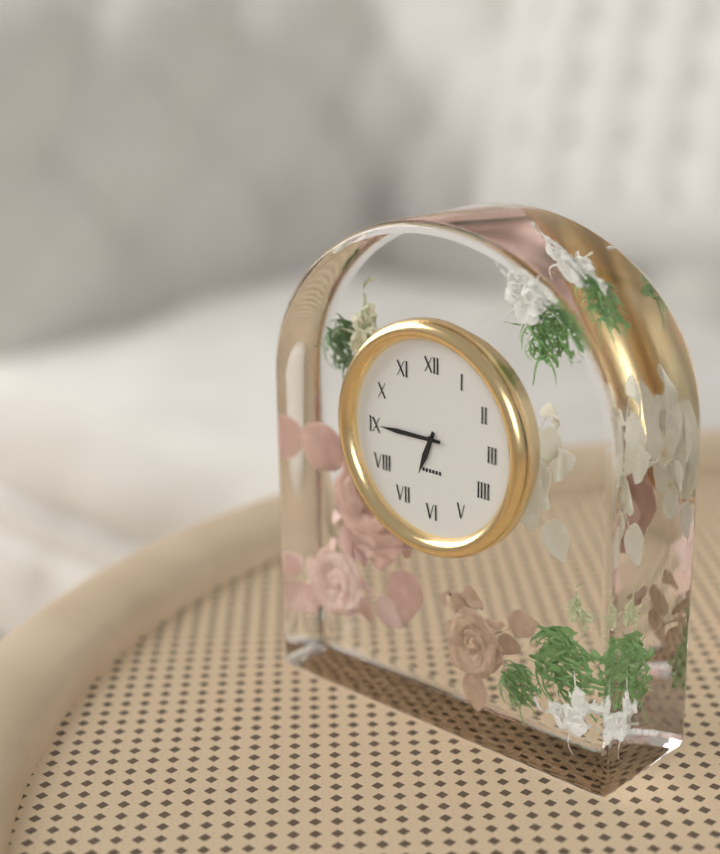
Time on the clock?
6:45
